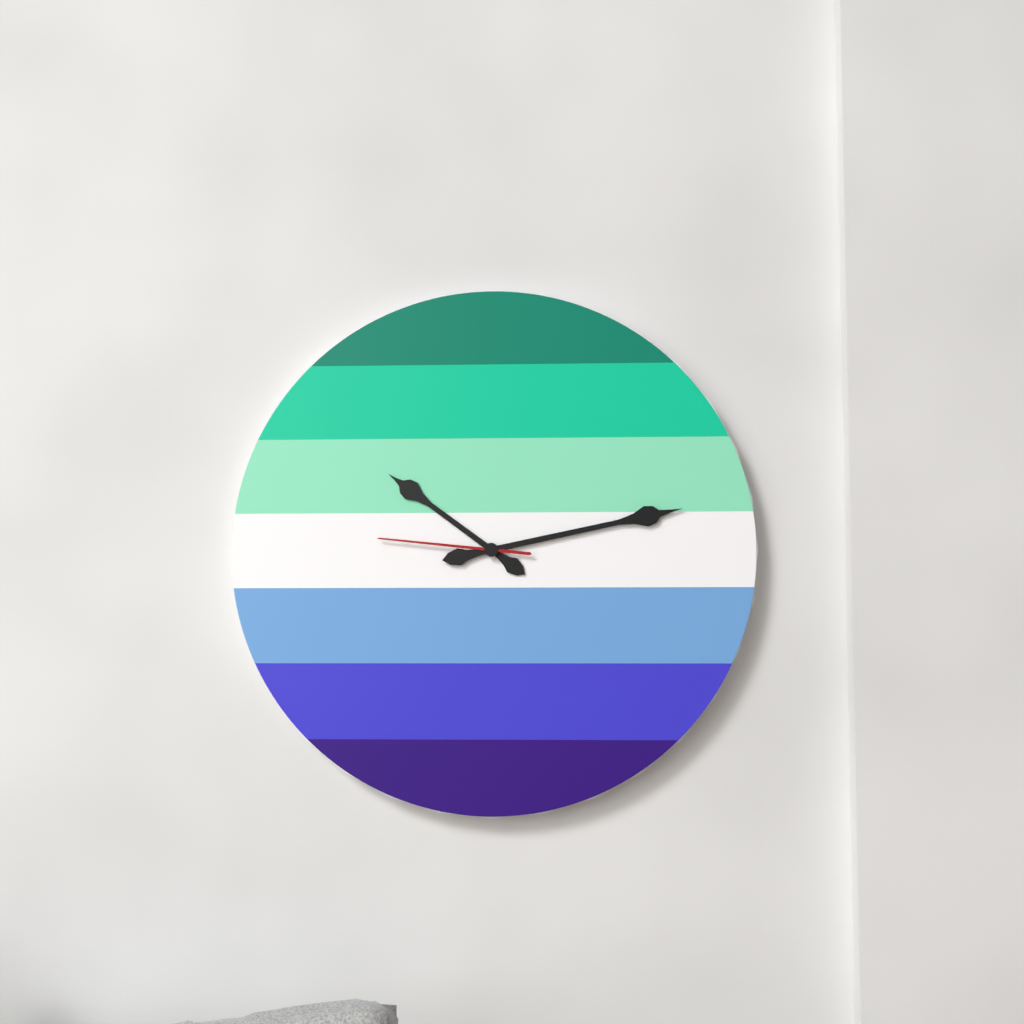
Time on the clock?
10:13:46
